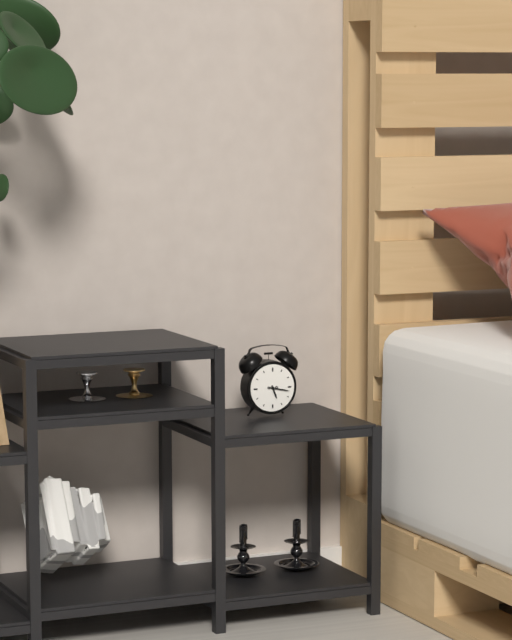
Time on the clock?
5:17
